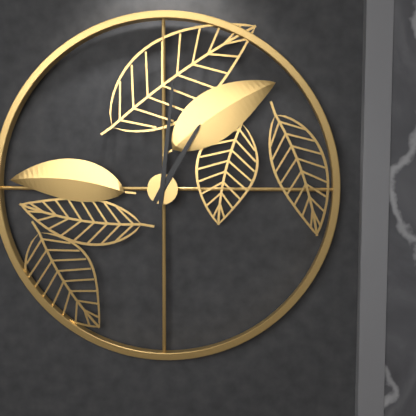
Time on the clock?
1:01
